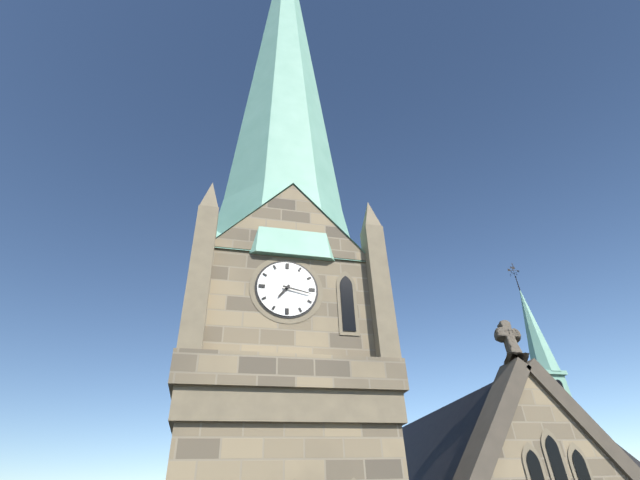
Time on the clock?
7:17
